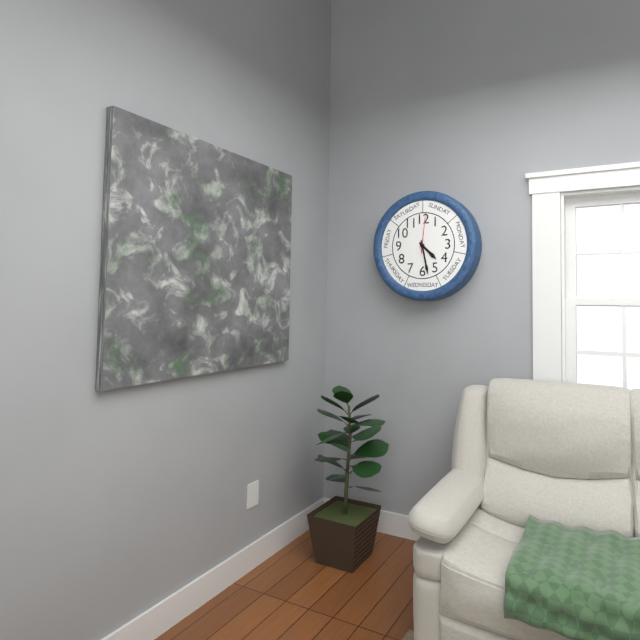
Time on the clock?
4:28
